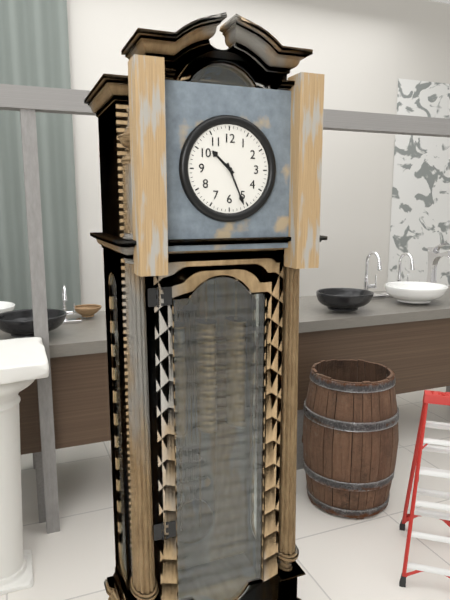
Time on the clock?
10:26
